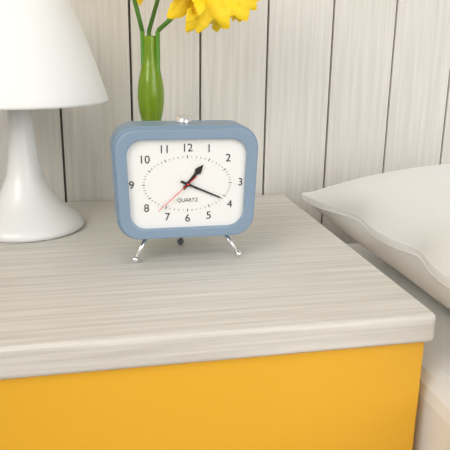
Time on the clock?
1:19
